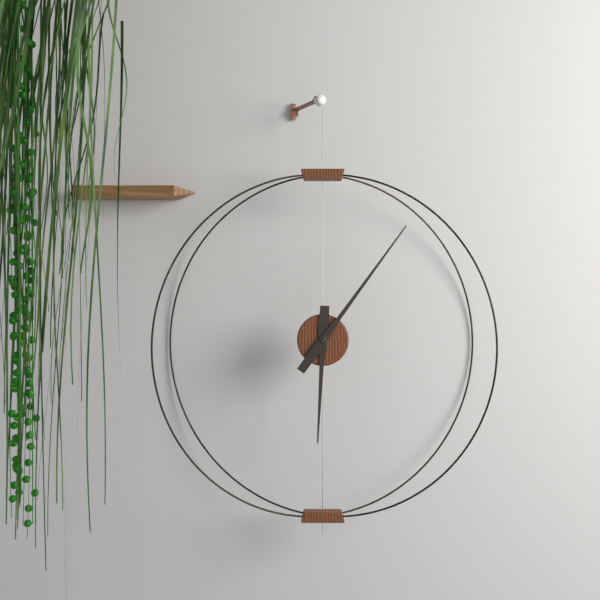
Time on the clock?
6:06
